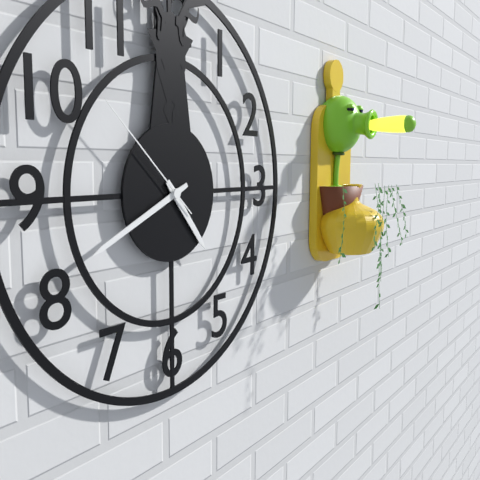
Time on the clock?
4:41:52
